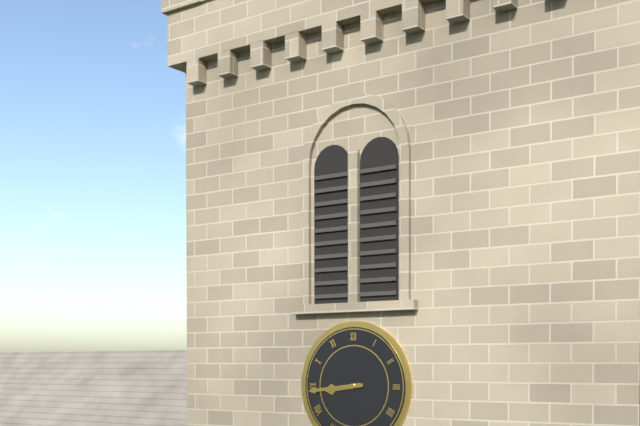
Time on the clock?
8:44
